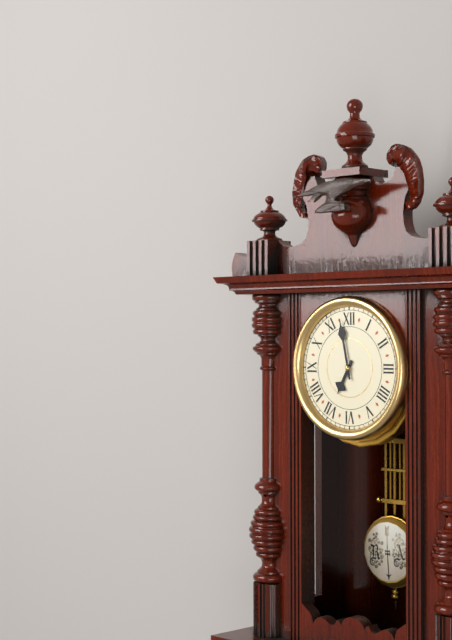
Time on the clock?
6:58
